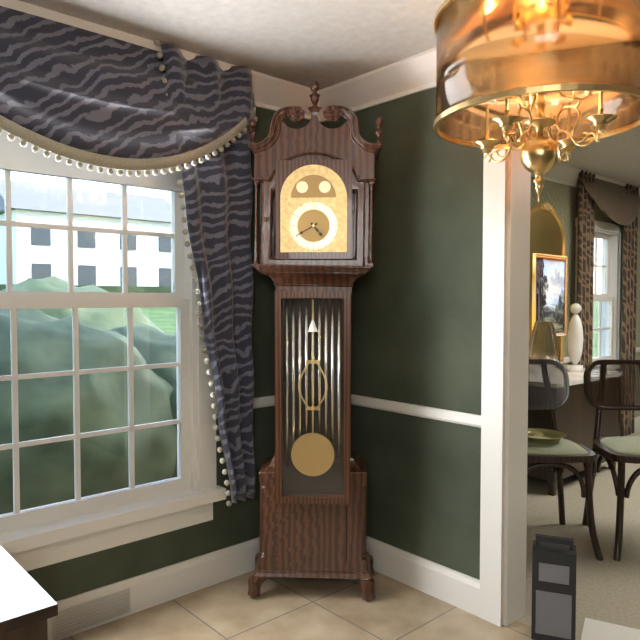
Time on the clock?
4:40
